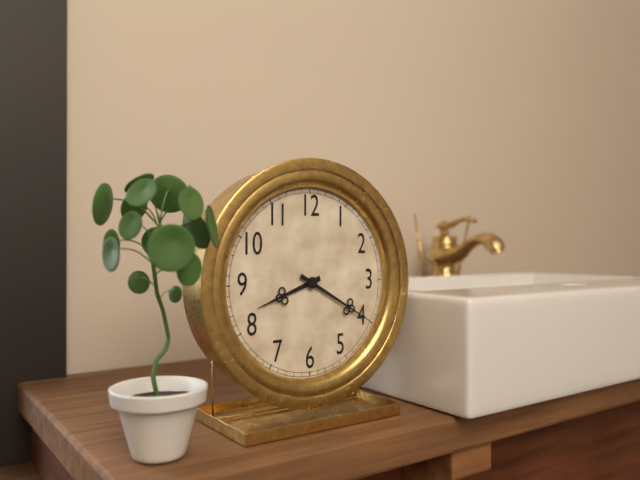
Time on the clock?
8:20
